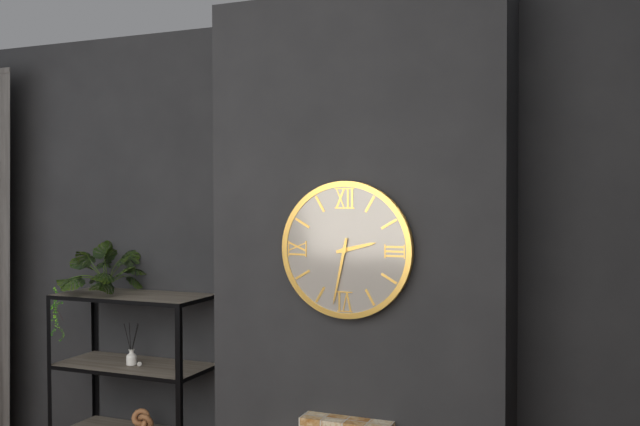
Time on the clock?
2:32
